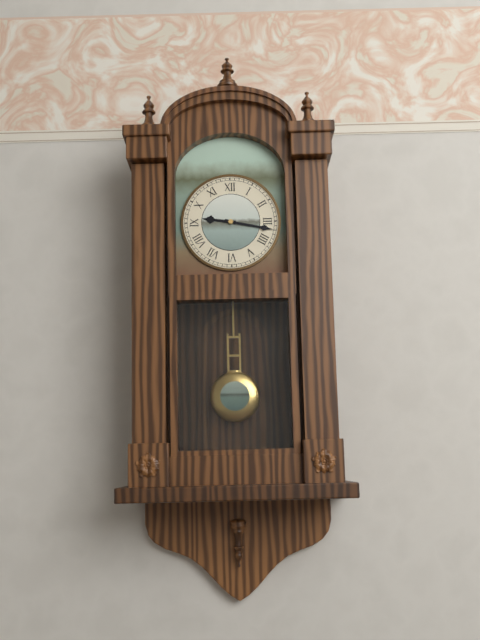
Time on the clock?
9:17
